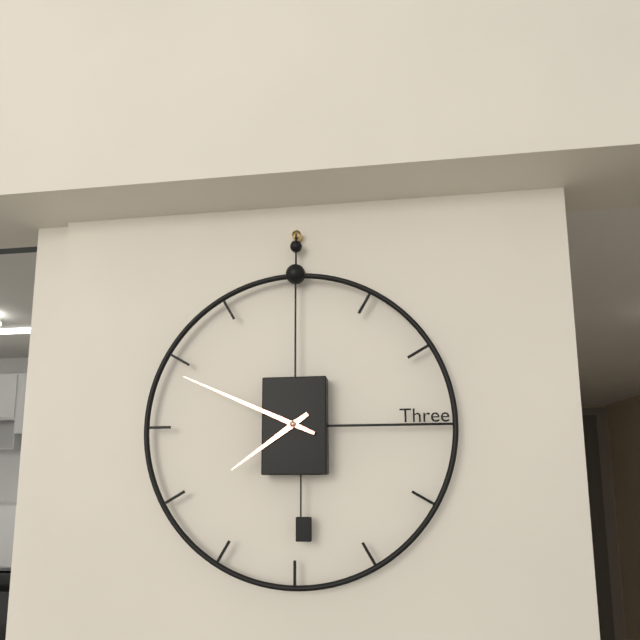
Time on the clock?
7:49
